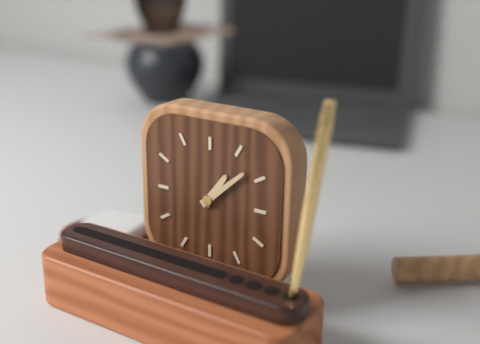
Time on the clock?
1:08
